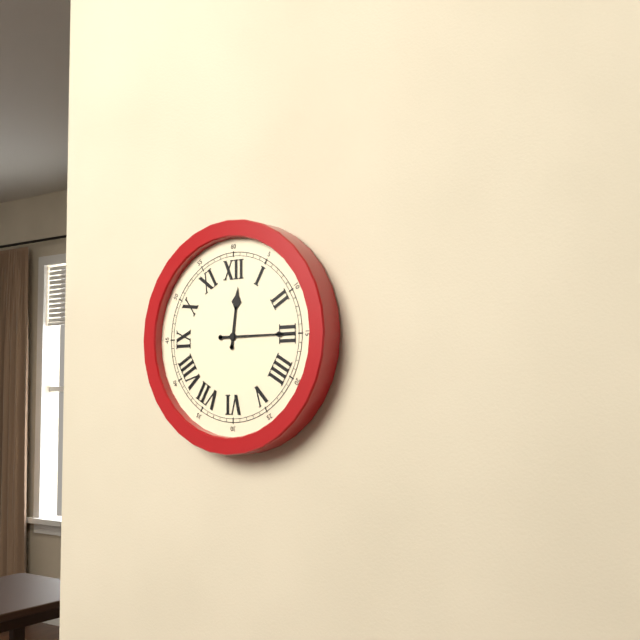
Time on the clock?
12:15
